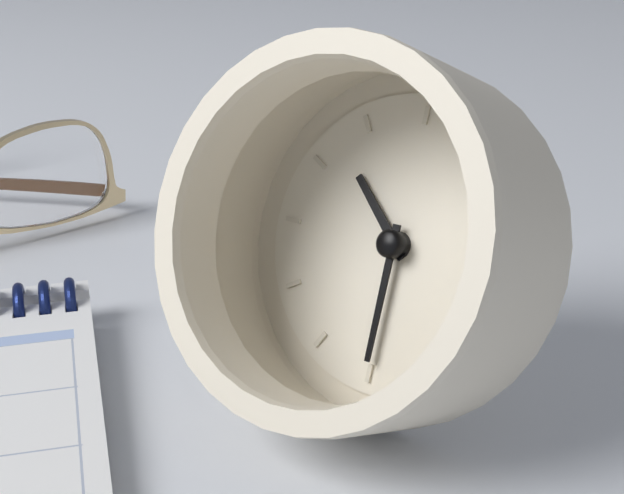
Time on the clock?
10:30
